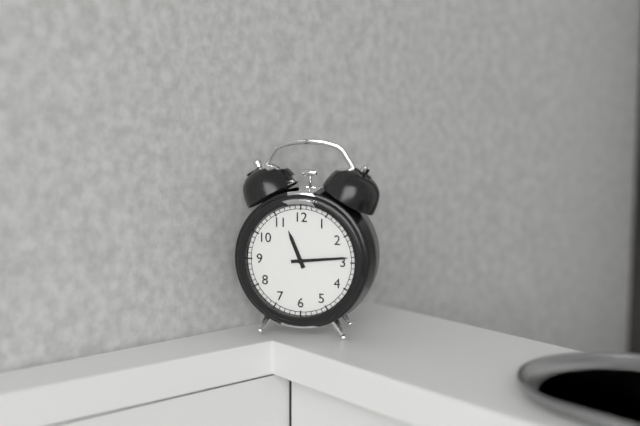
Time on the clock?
11:14
